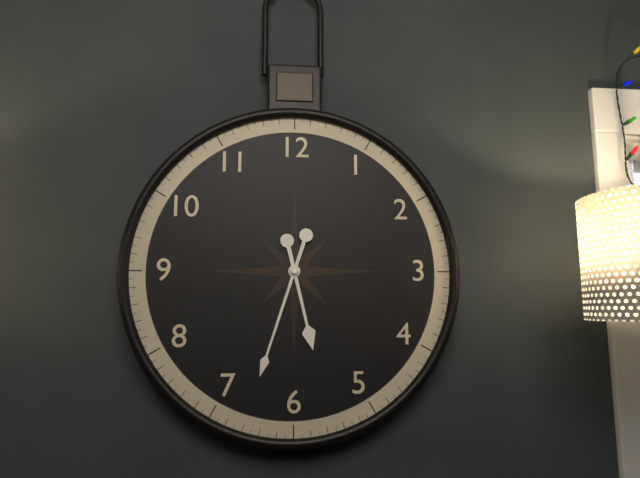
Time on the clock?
5:33
